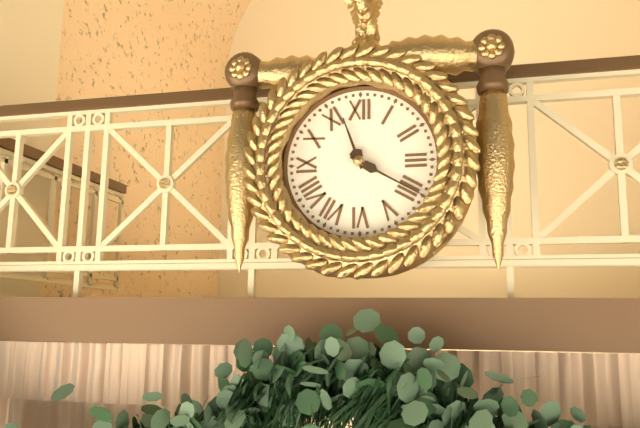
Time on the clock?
11:20
